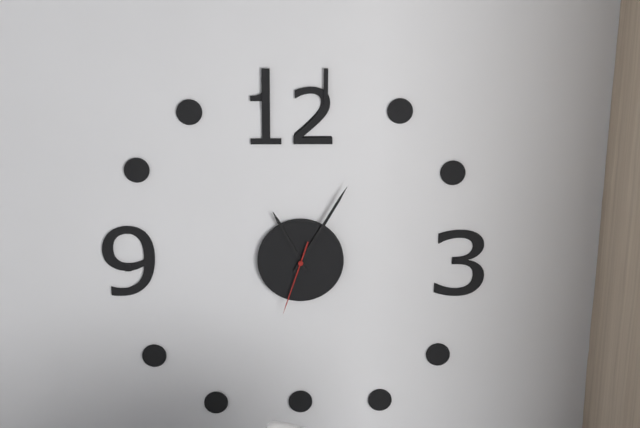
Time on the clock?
11:05:33
